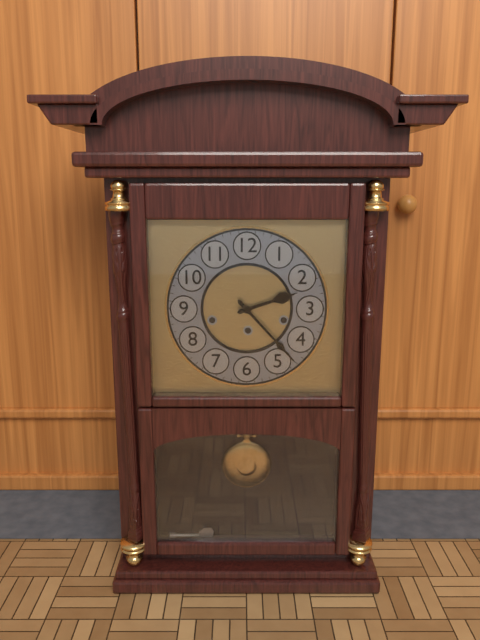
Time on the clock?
2:23
